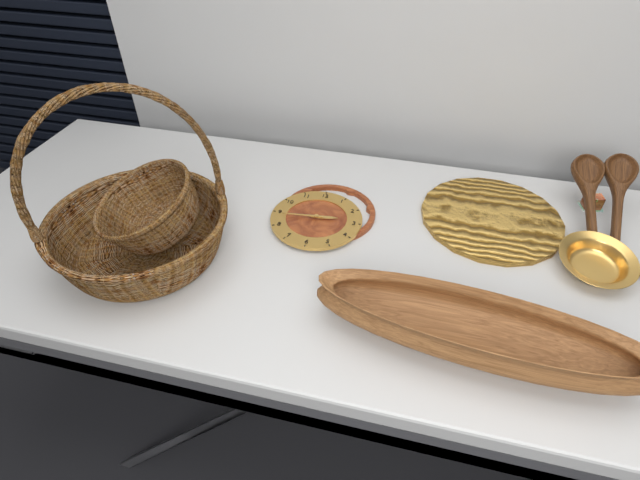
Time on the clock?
2:44
